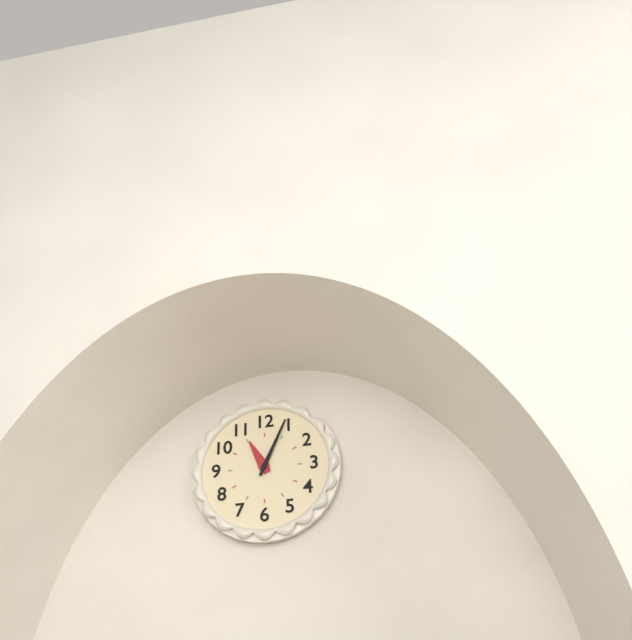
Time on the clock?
11:04
